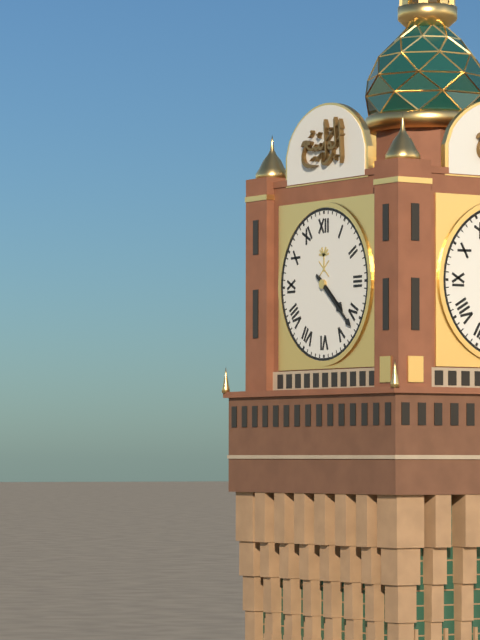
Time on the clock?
4:22
